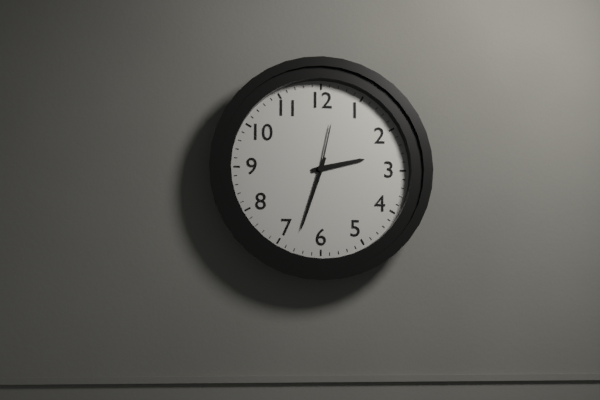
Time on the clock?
2:33:02
